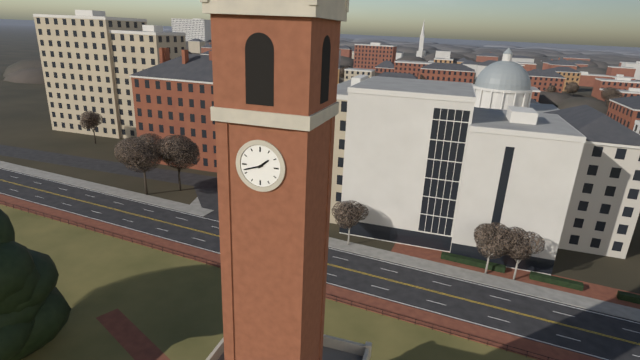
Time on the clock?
1:42
